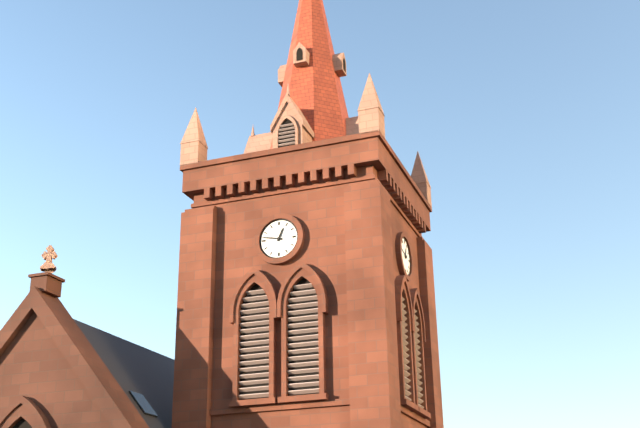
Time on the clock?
12:47
